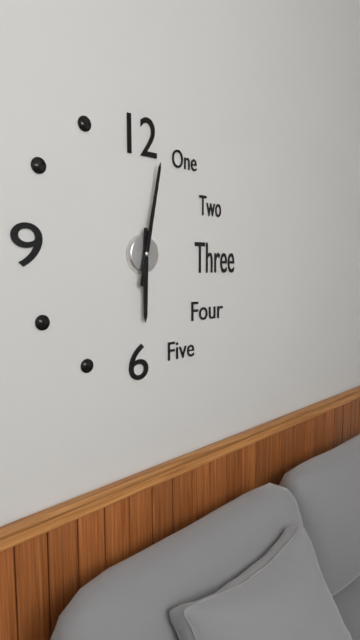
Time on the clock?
6:02
